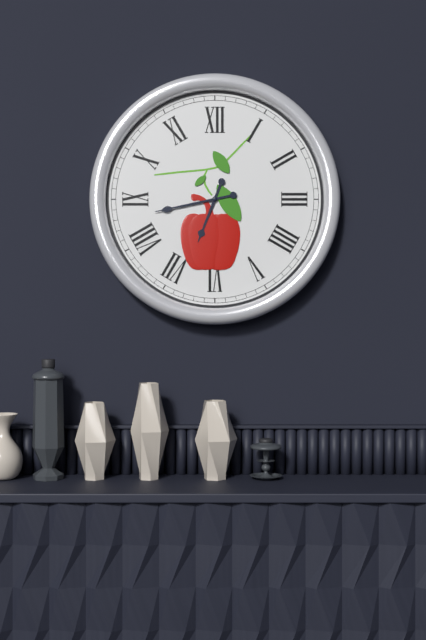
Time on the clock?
6:43
